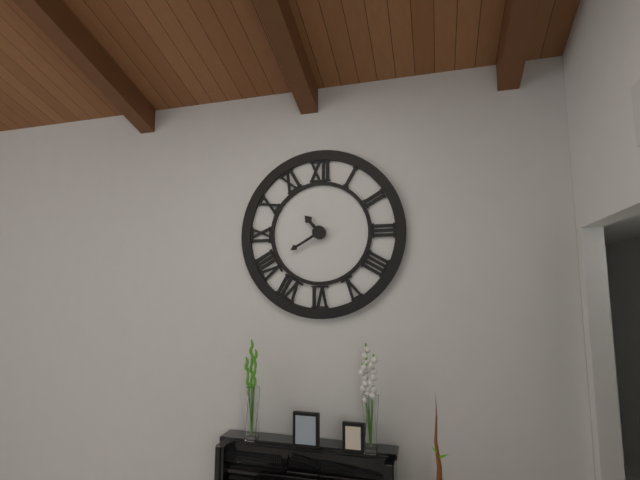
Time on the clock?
10:40
